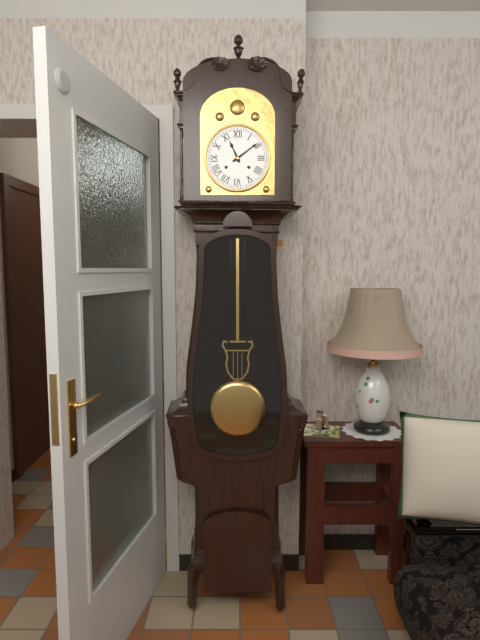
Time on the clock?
11:09
